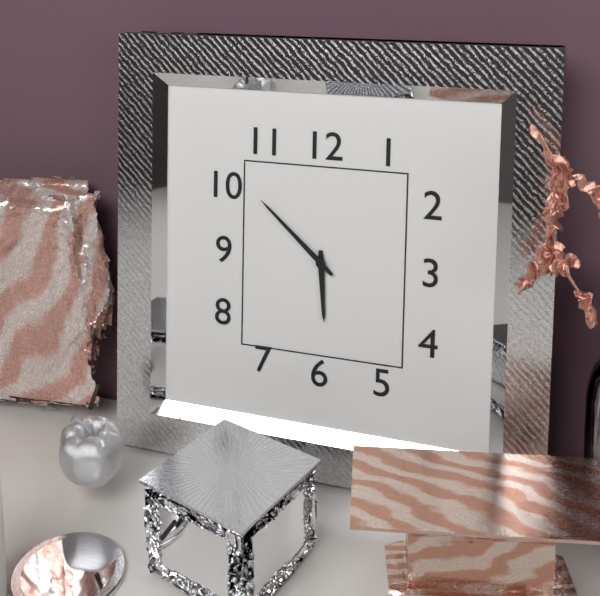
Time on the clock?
5:52
